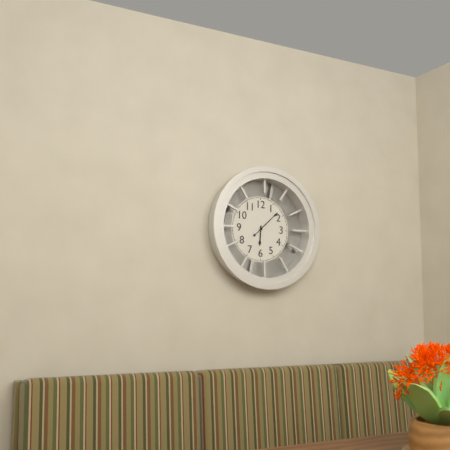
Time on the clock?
6:08
